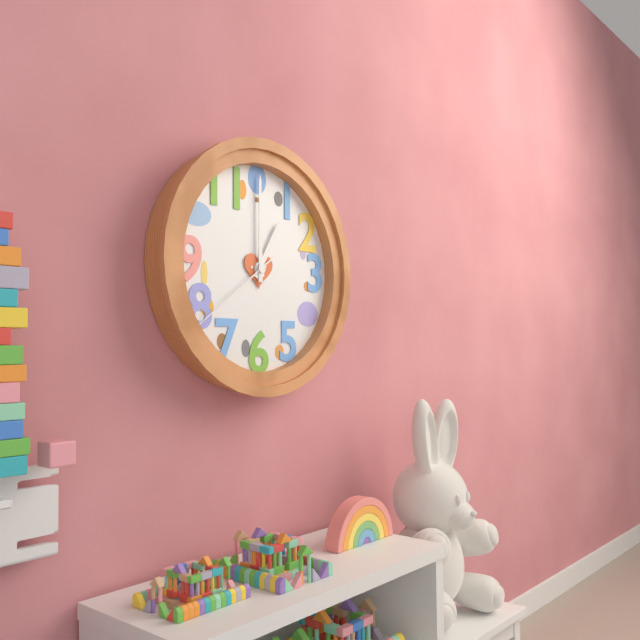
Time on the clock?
1:00:39
